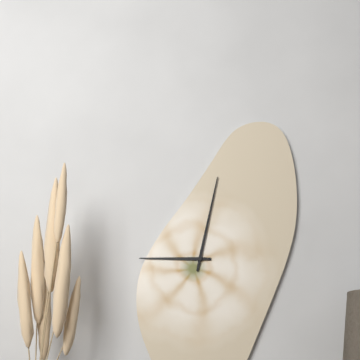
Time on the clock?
9:02
